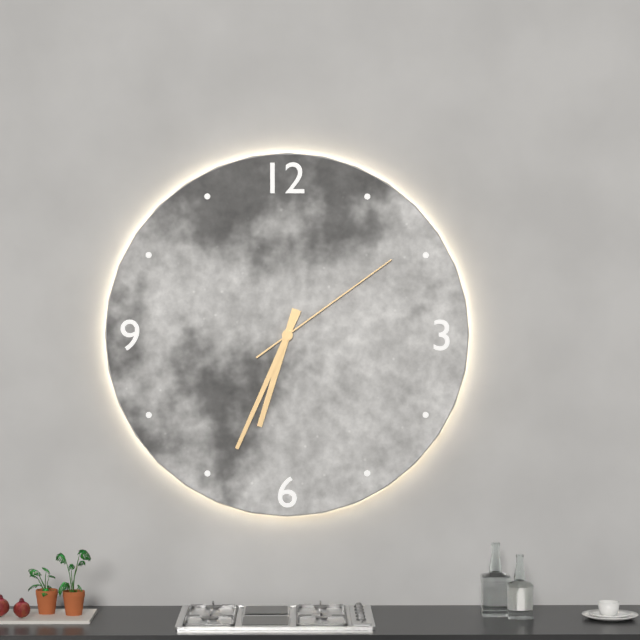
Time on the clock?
6:34:09
